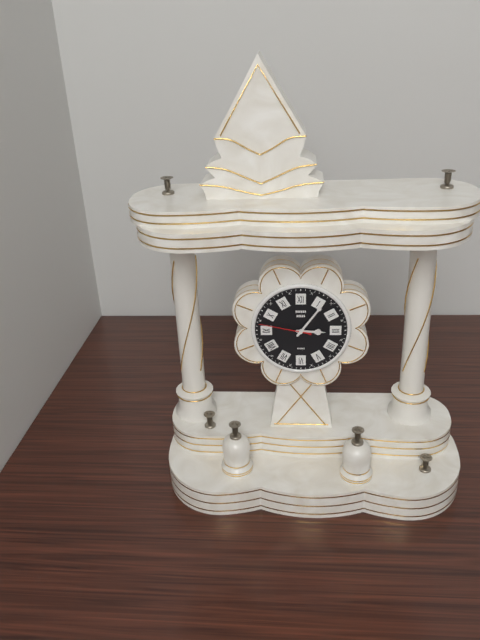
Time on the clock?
3:06:47
